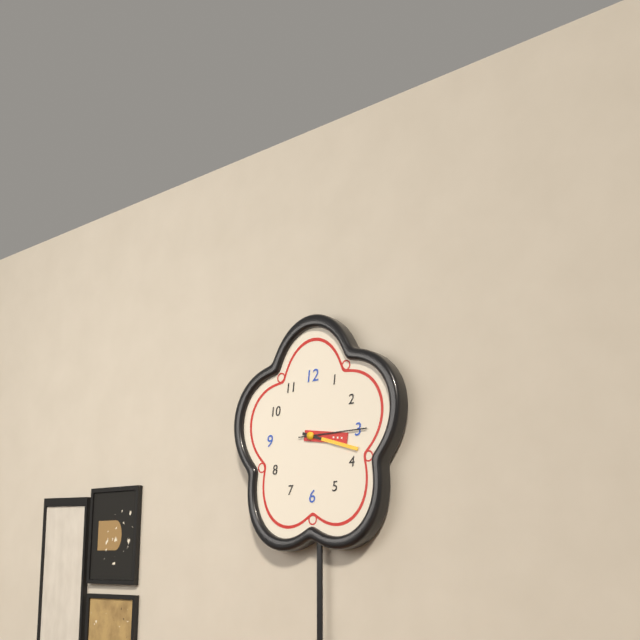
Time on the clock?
3:18:15
